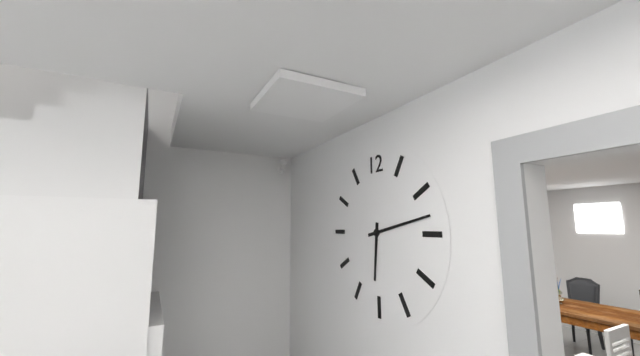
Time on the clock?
6:13
